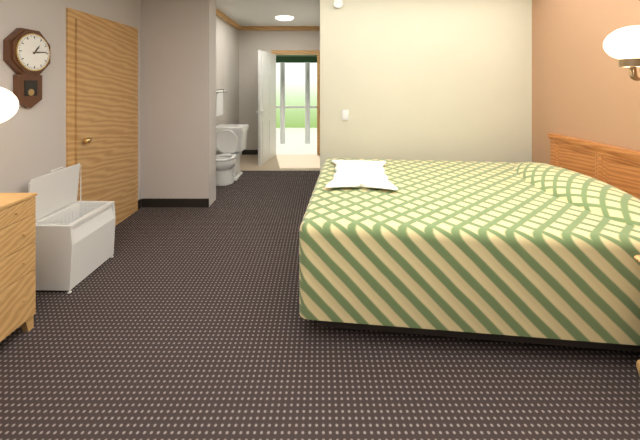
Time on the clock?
1:14
